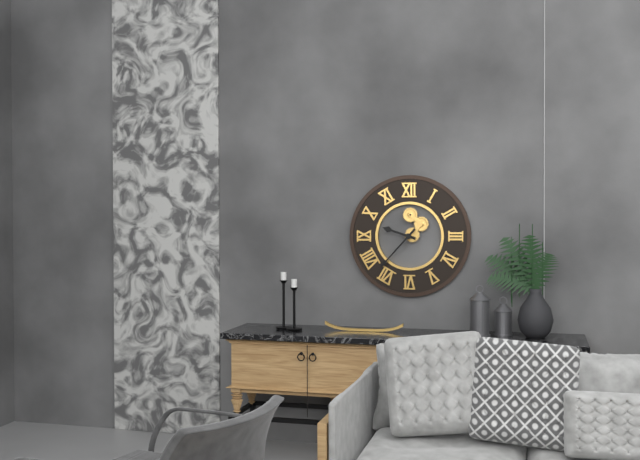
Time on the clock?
9:37
